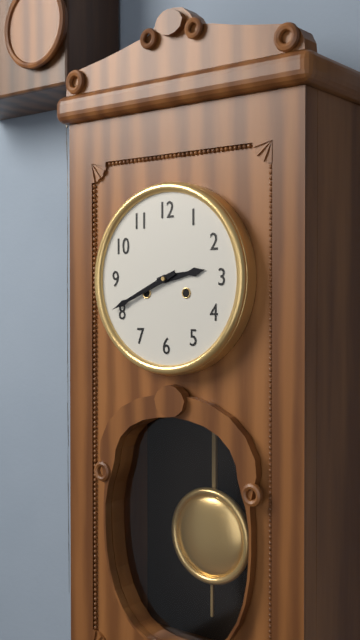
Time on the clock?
2:41
